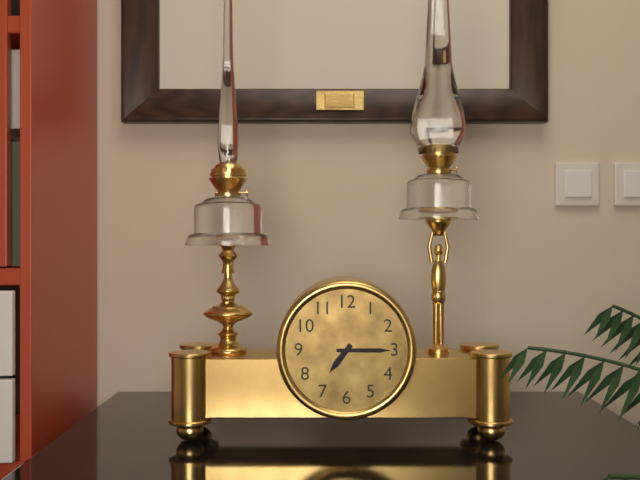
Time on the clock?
7:15
